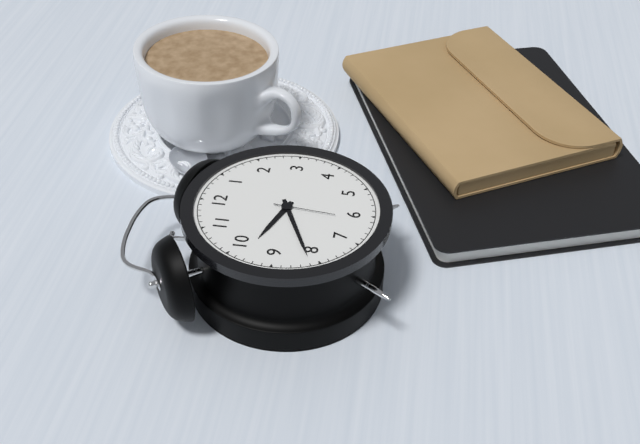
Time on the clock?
9:41:31
